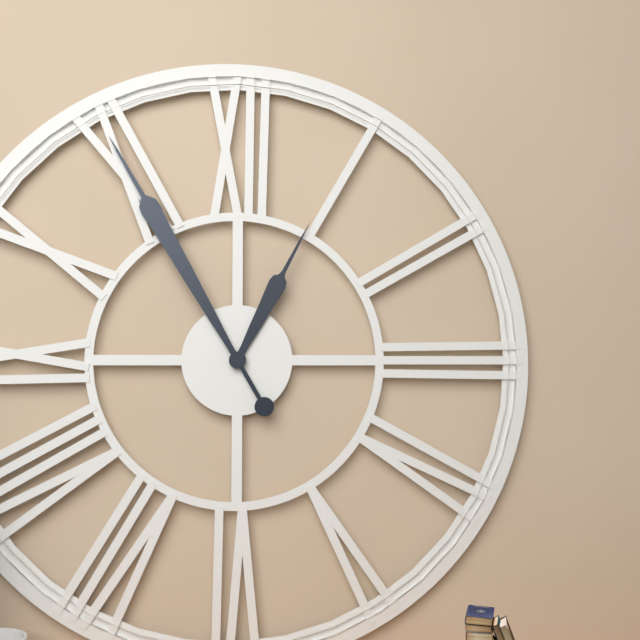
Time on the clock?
12:55
